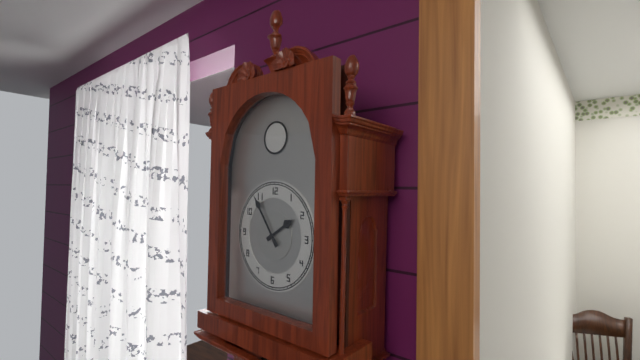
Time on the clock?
1:54
